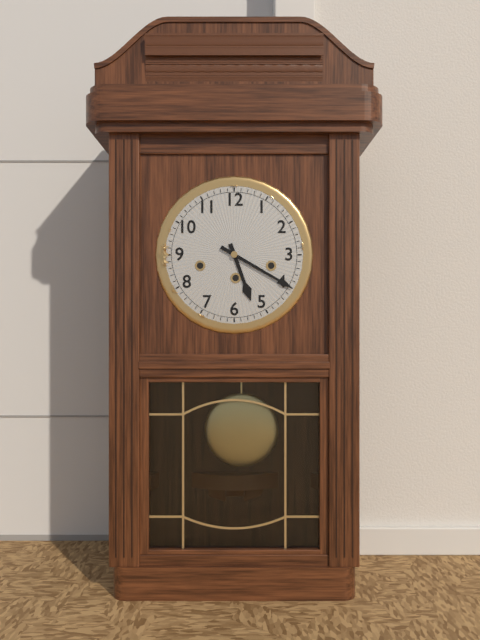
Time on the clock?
5:20
